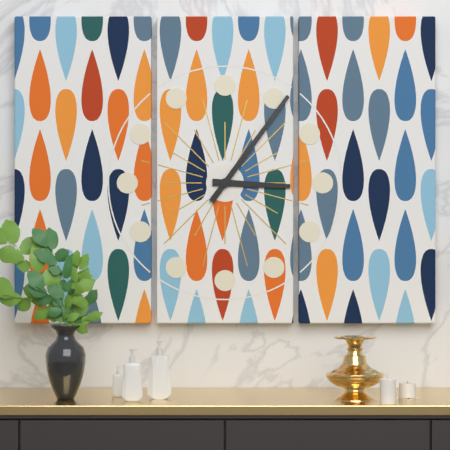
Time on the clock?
3:06
